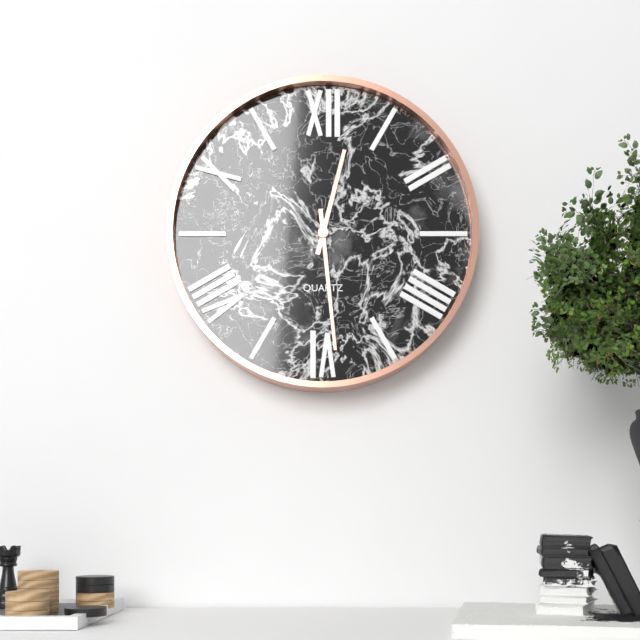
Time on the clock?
12:29
